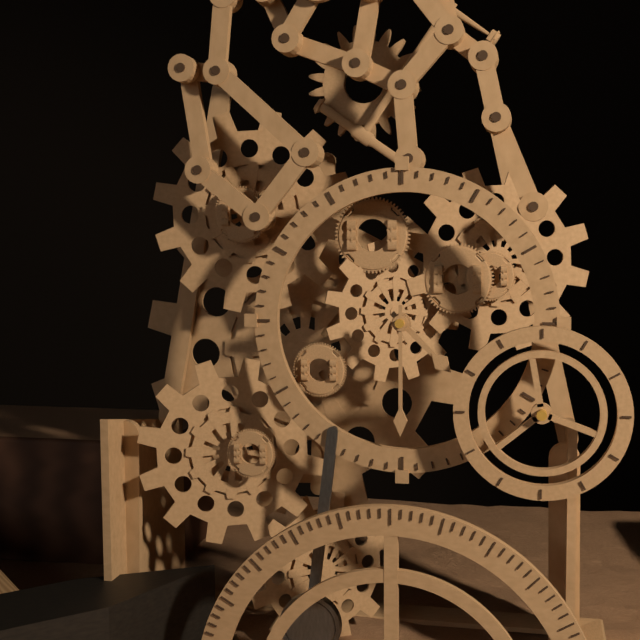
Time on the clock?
4:30
